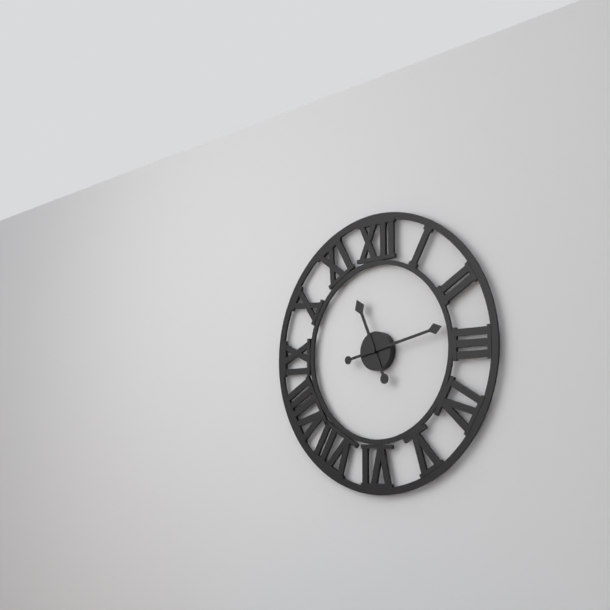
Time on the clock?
11:13
